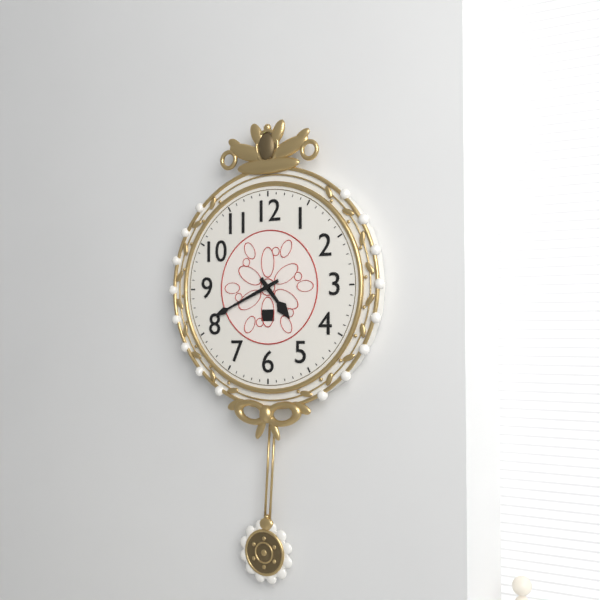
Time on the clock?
4:41
